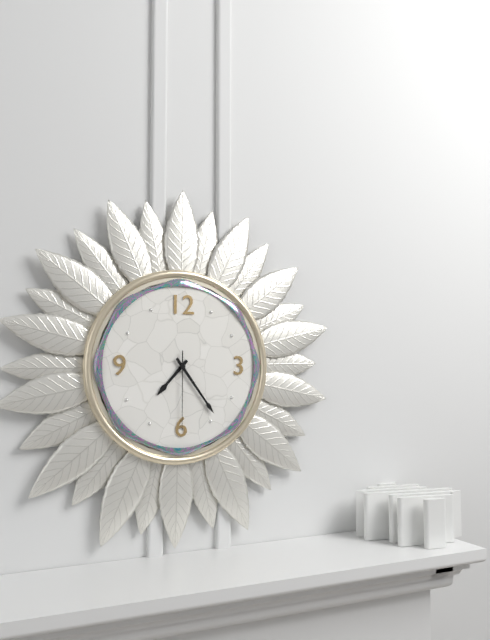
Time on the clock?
7:24:30
